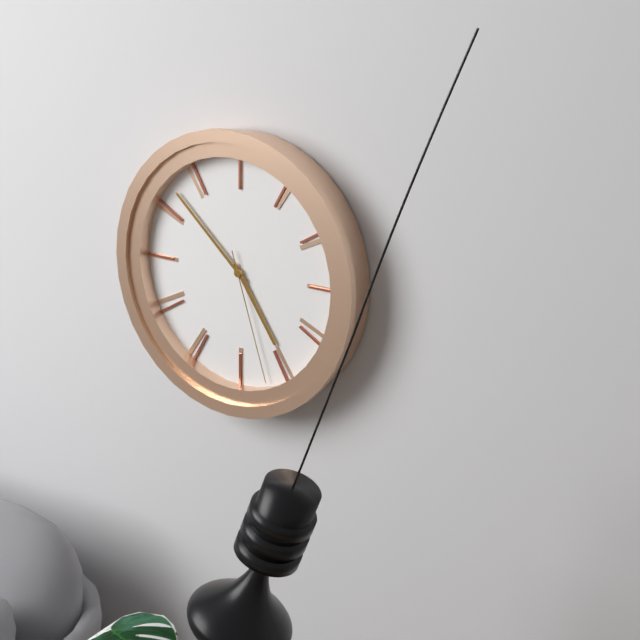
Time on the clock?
4:52:27
